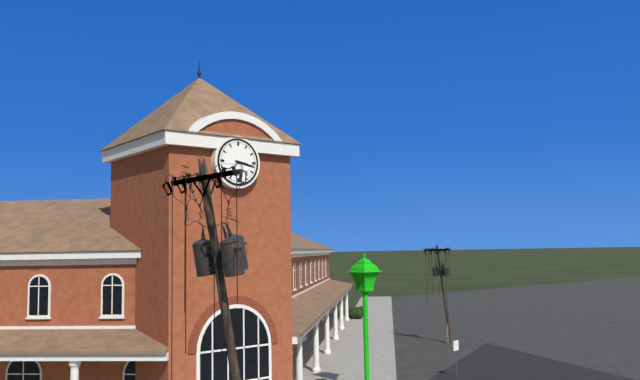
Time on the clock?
3:17
